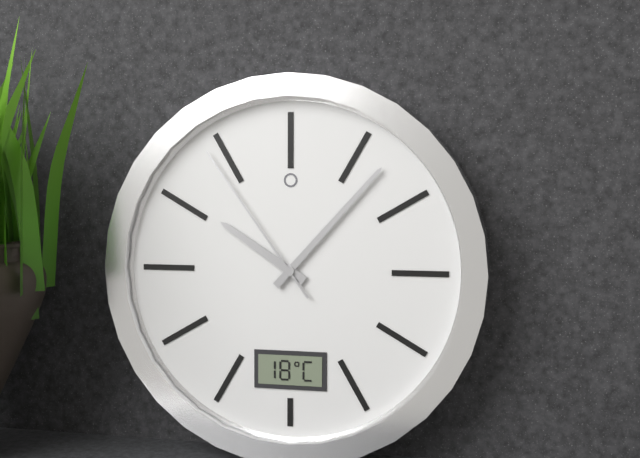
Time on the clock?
10:07:54
